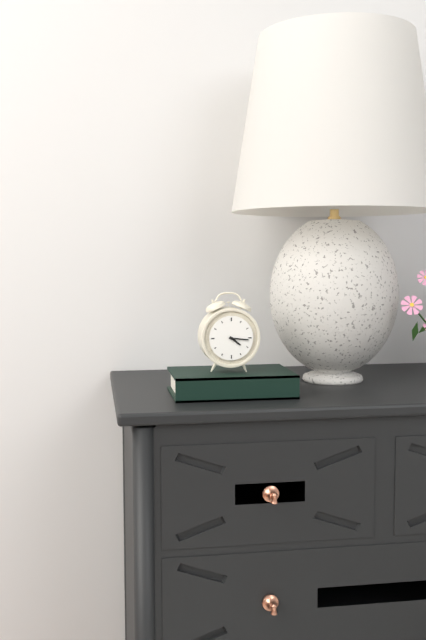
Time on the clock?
4:16
